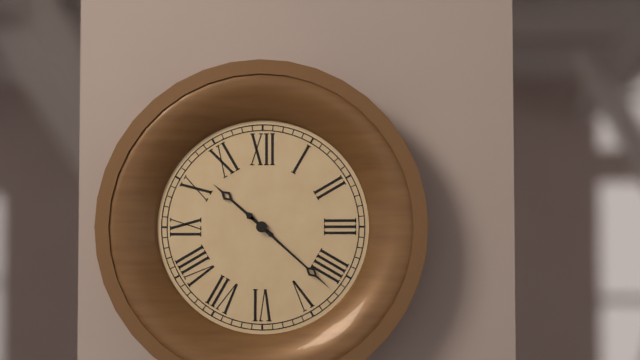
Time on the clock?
10:22
